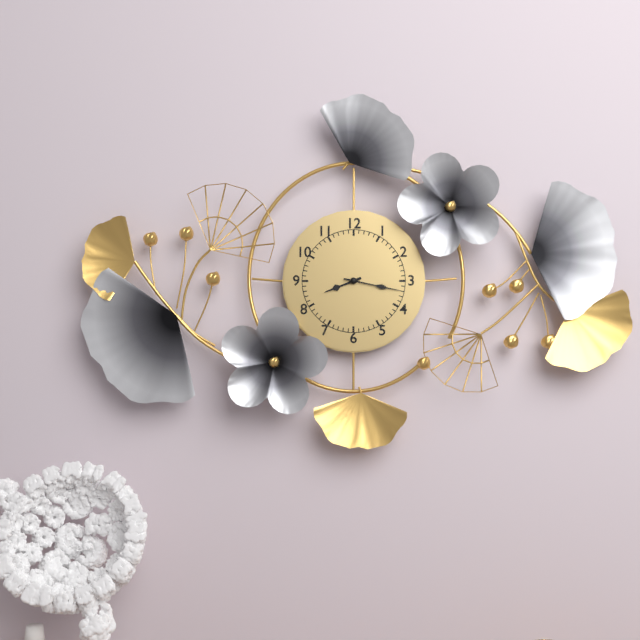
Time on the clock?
8:17
